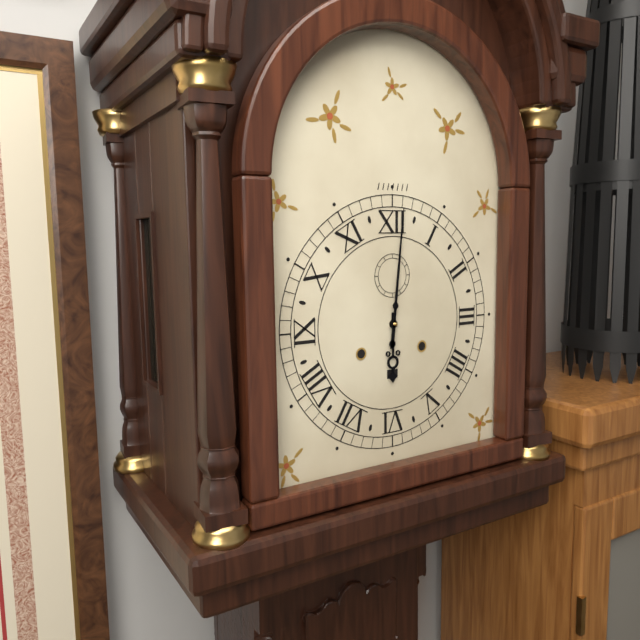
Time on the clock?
6:01
